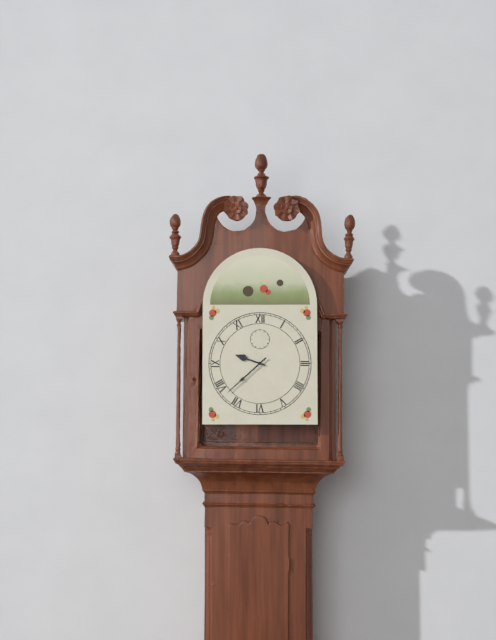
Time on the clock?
9:38
